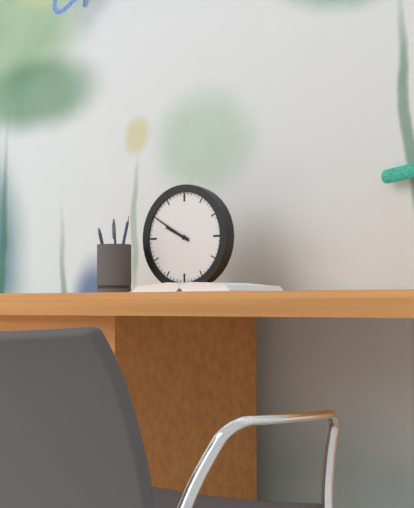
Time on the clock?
9:50
